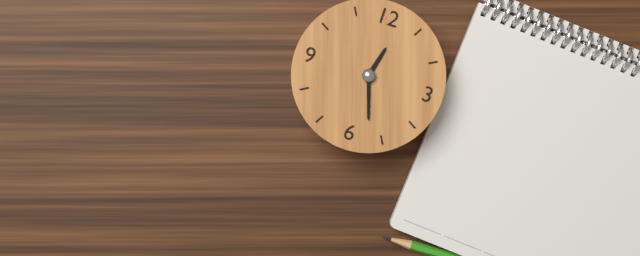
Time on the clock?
12:27
